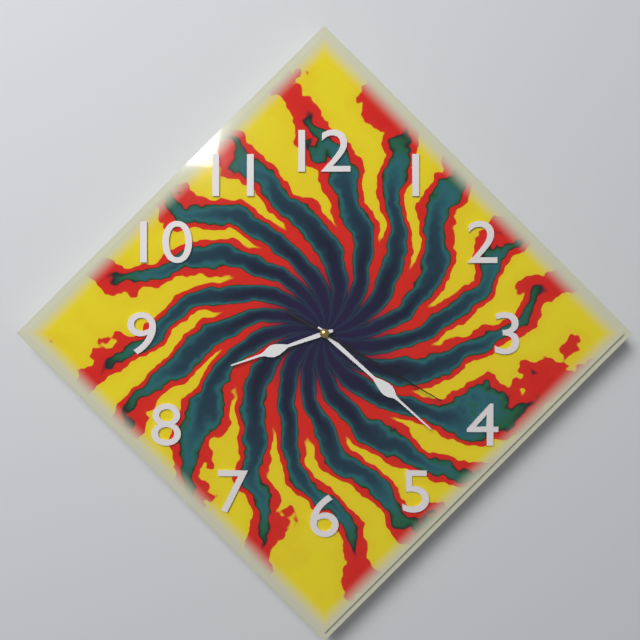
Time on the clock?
8:22:20
